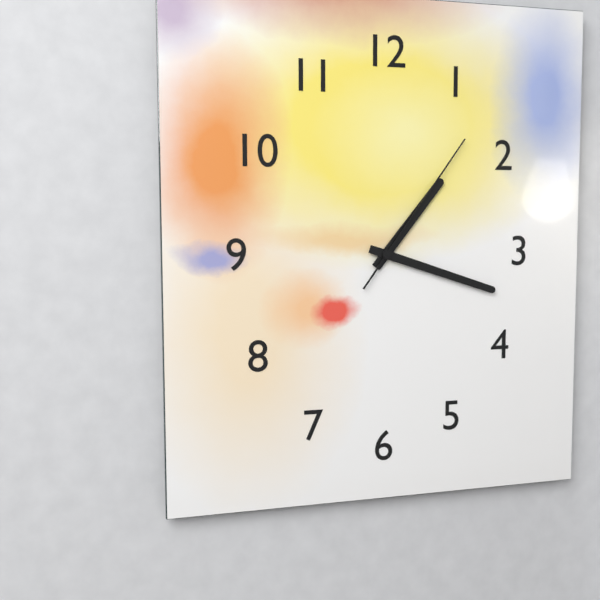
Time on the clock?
1:18:06
